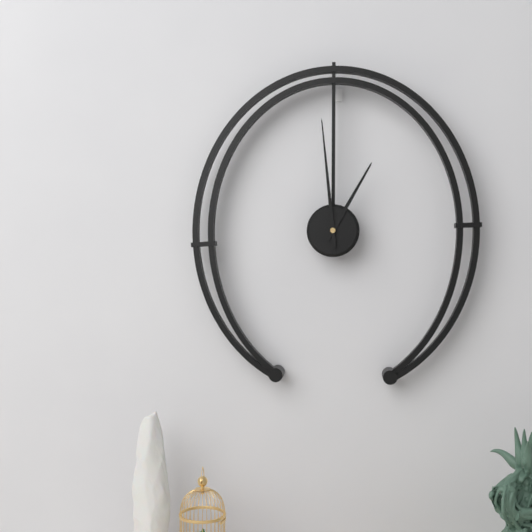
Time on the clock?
12:59
